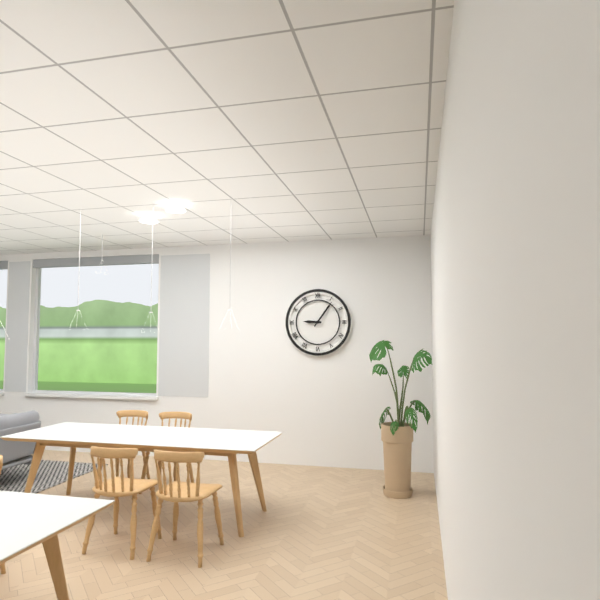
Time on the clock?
9:06
